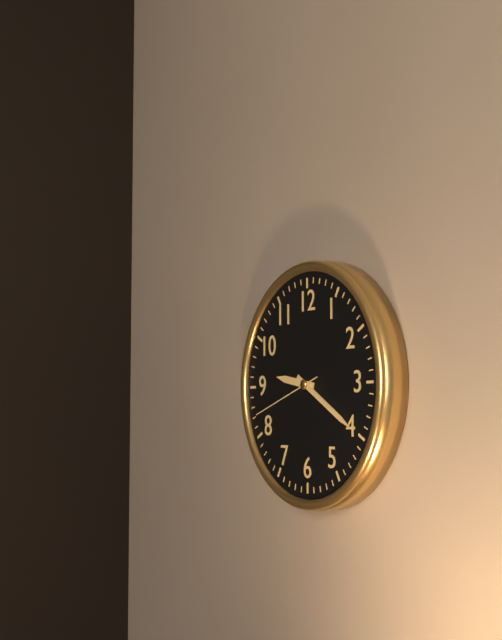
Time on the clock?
9:20:42
